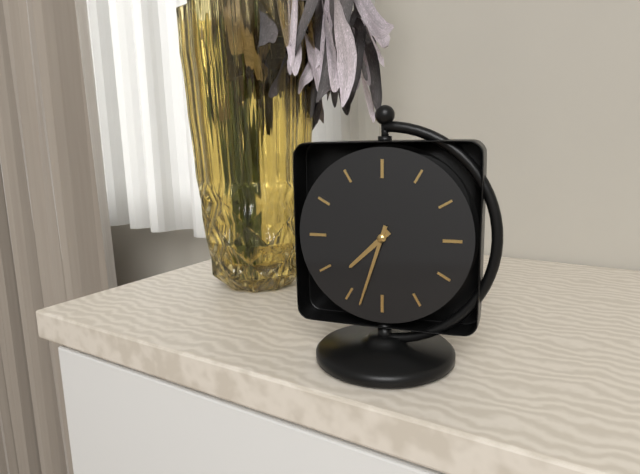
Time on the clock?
7:33
